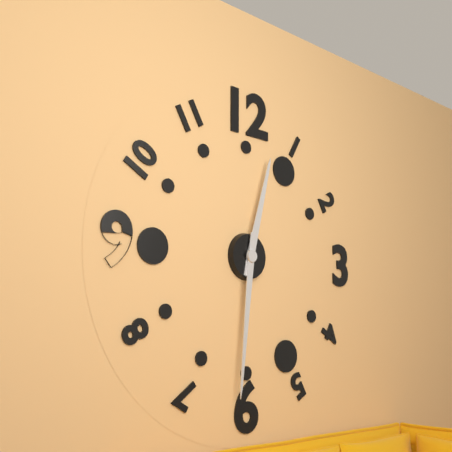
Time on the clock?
12:31
